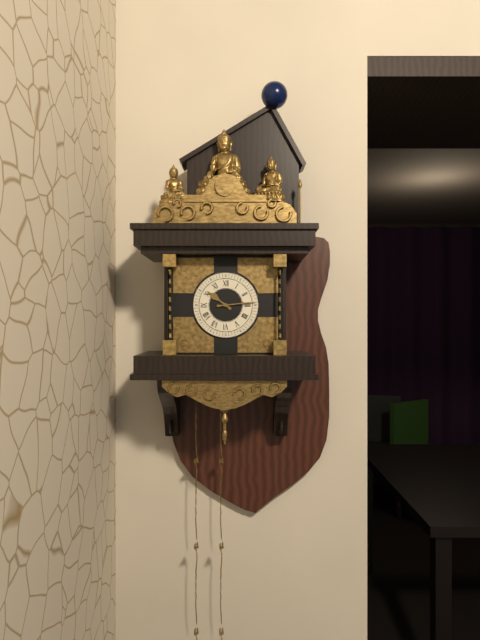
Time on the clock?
10:14
